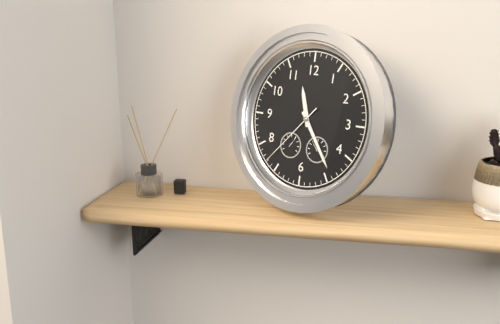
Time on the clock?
11:24:37
